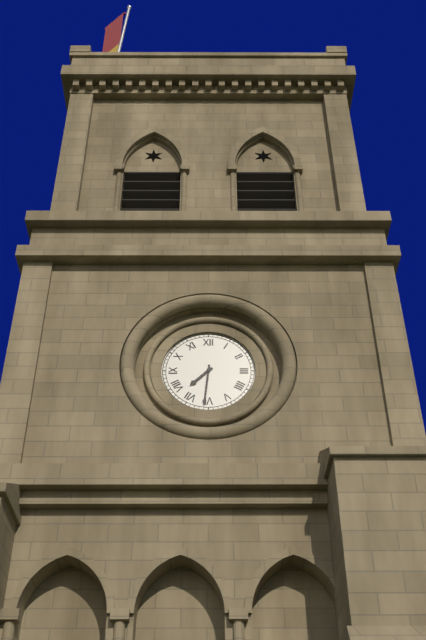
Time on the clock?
7:31
